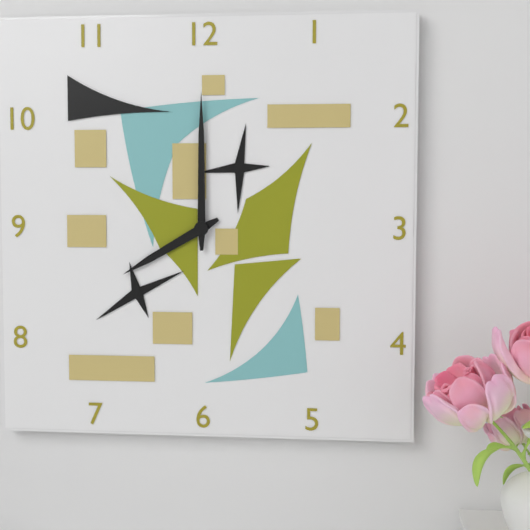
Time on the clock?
8:00
